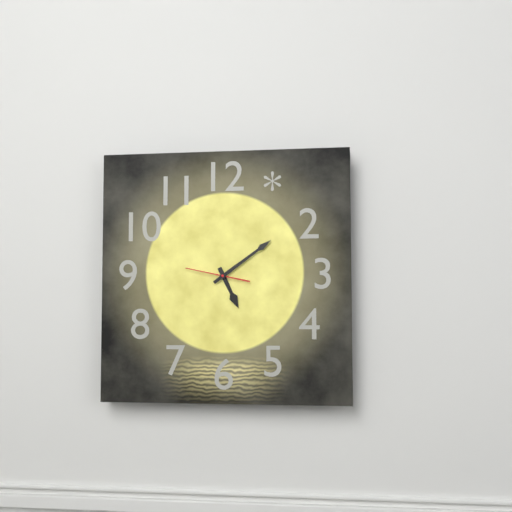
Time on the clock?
5:09
